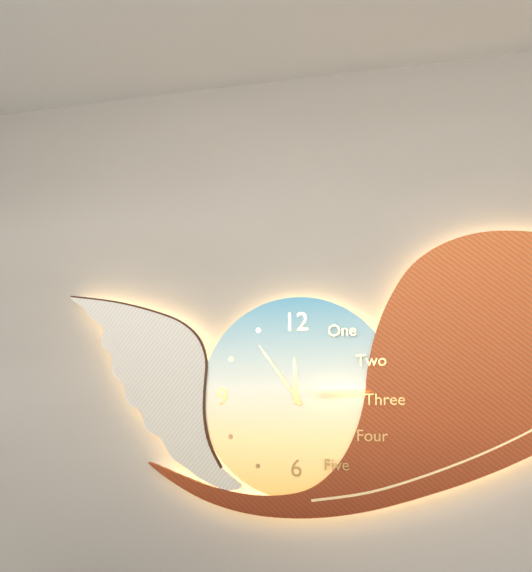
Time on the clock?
11:54
